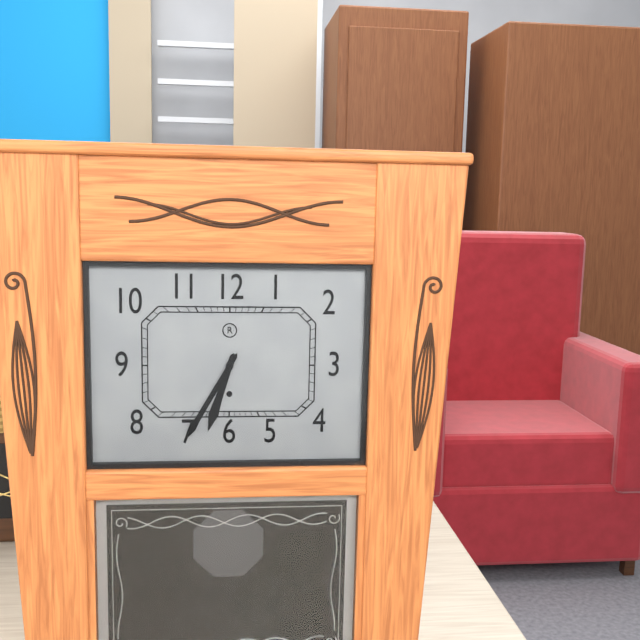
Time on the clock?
6:35
